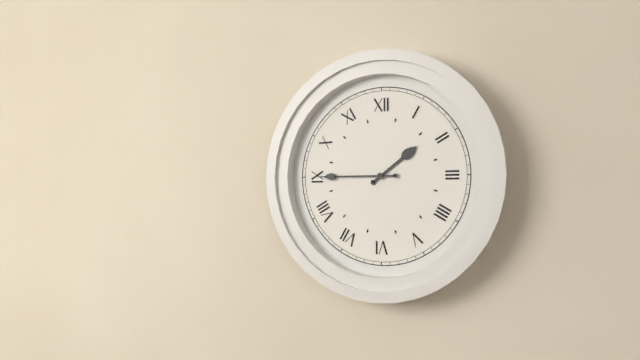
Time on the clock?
1:45
